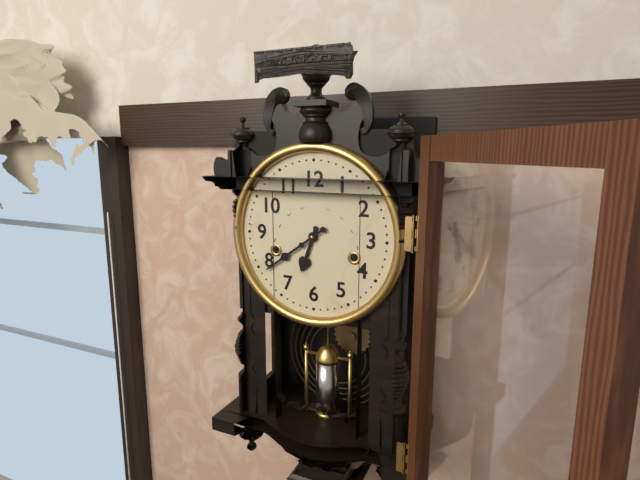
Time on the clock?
6:39
